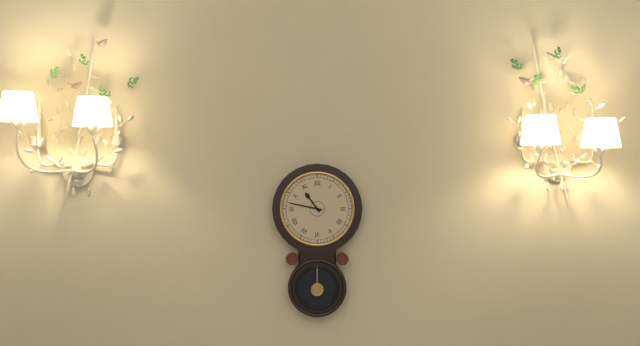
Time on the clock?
10:47
